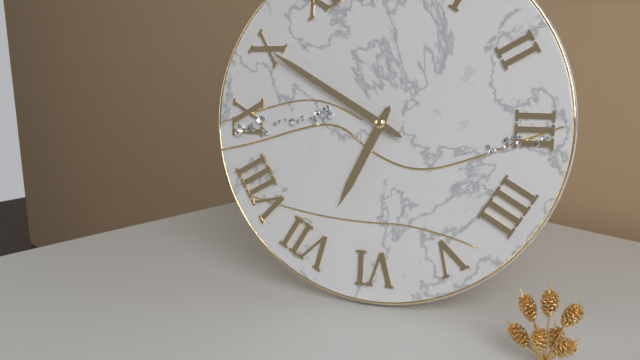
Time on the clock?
6:50
